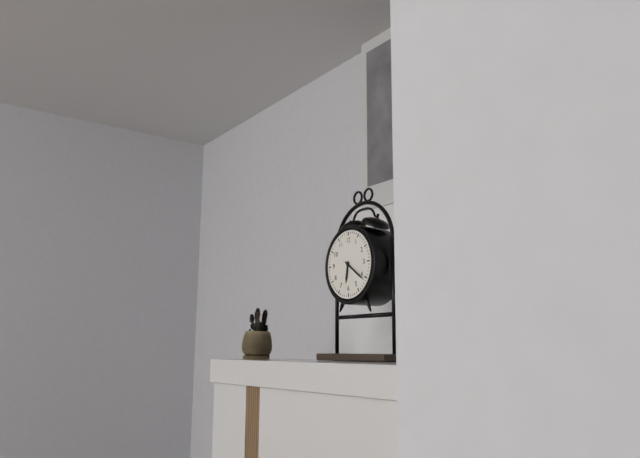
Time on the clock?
6:21
